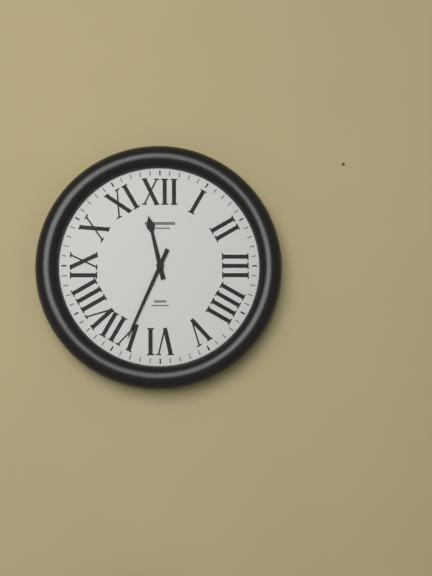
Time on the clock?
11:34
